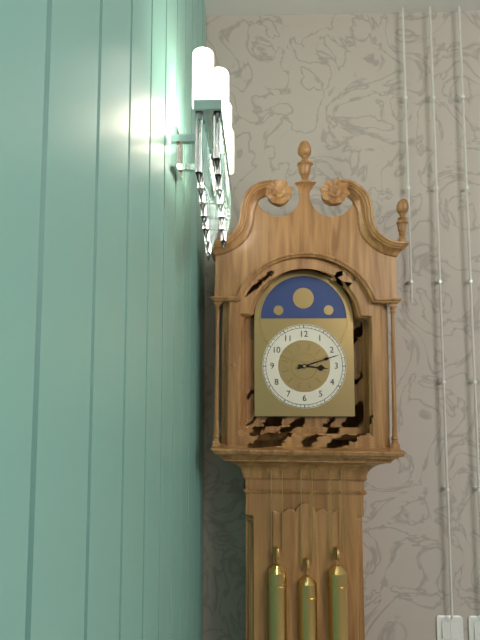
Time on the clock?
3:12
